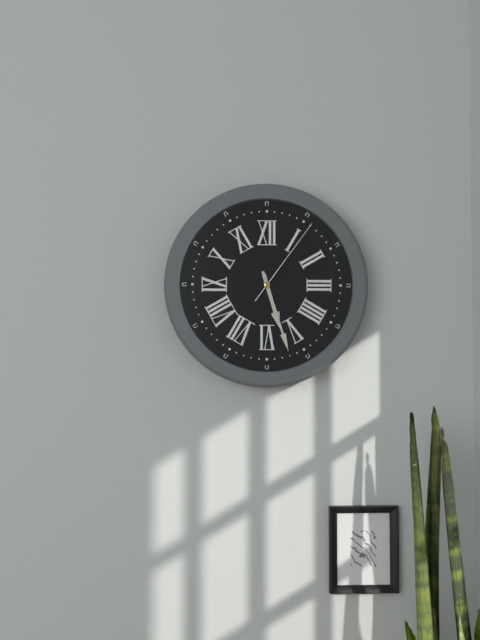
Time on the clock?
5:27:06
